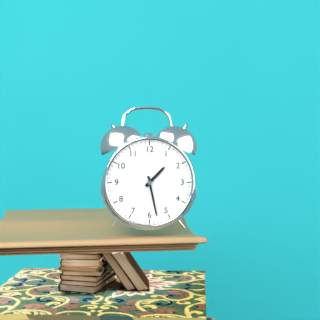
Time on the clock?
1:28
